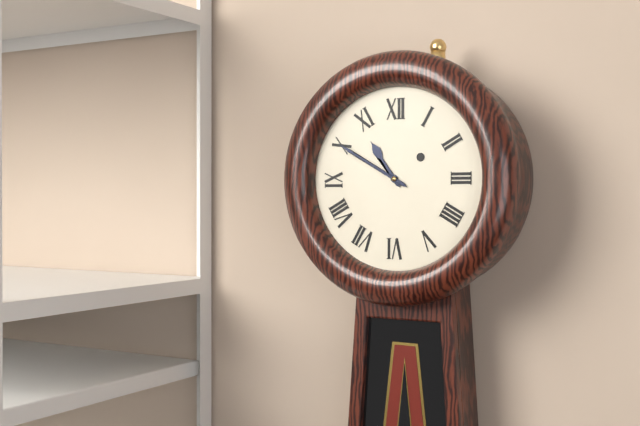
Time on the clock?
10:50
